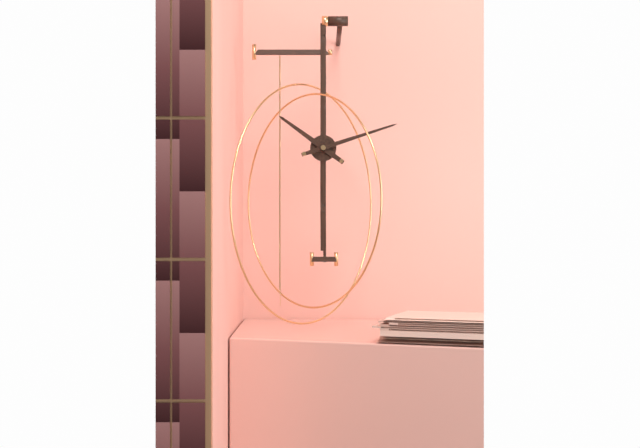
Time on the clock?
10:12
